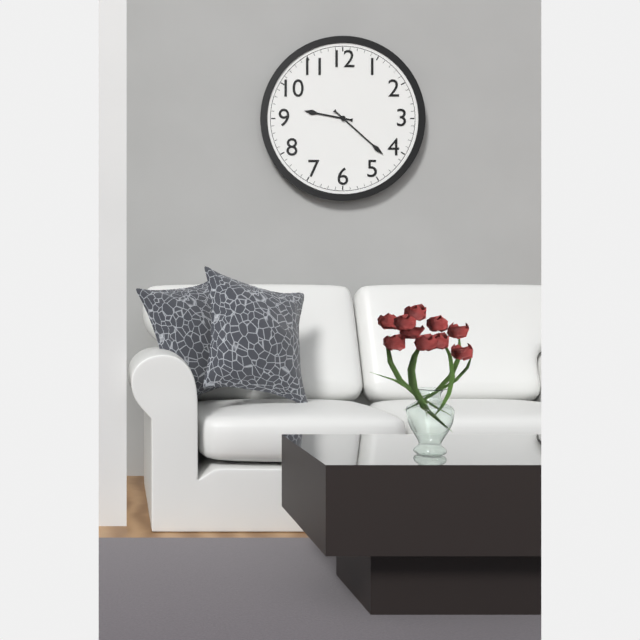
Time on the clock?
9:22
